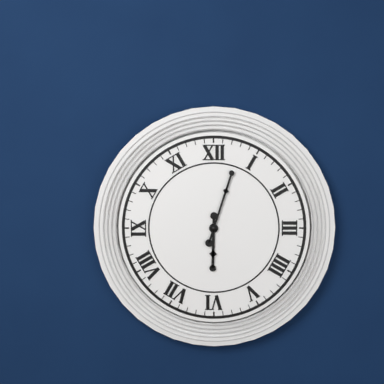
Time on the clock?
6:03
